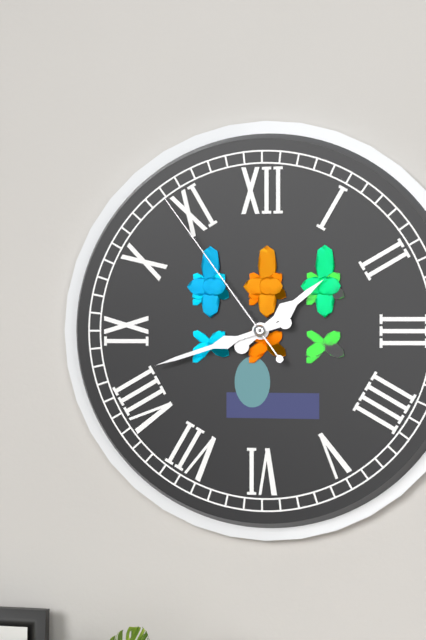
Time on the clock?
1:42:54
